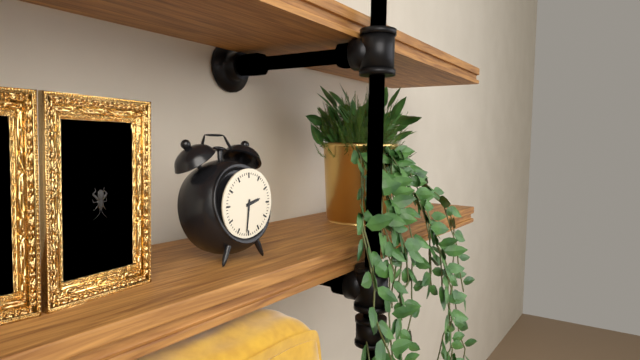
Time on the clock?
2:31
